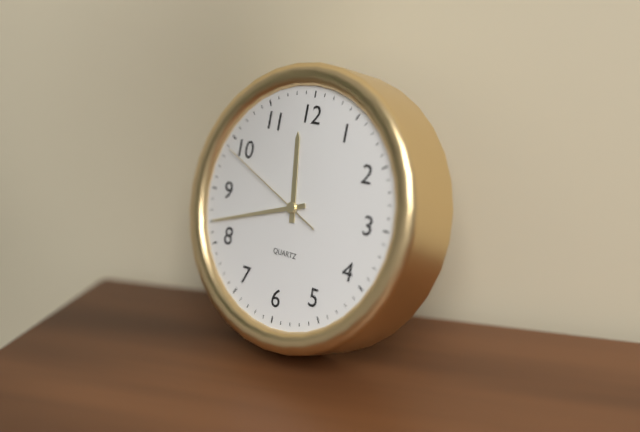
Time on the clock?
11:42:49
